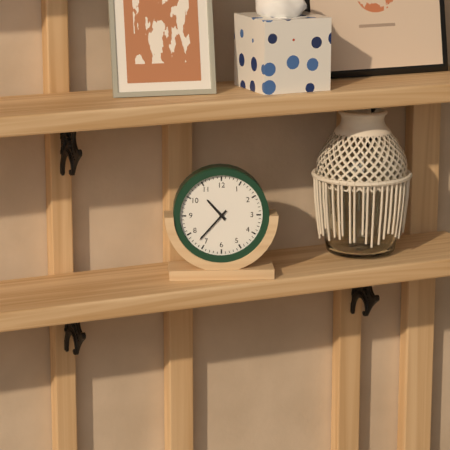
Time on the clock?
10:37
